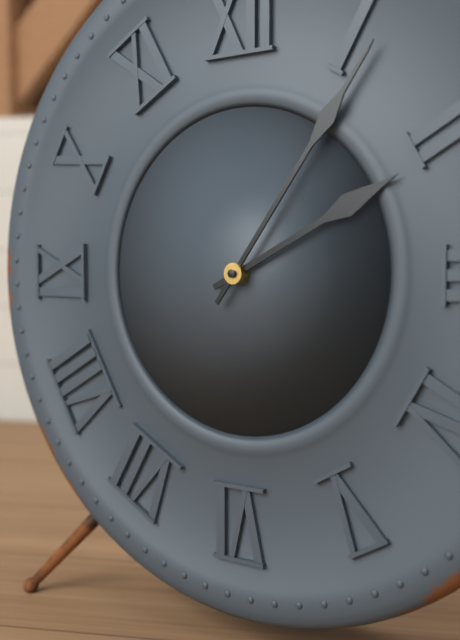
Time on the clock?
2:06
